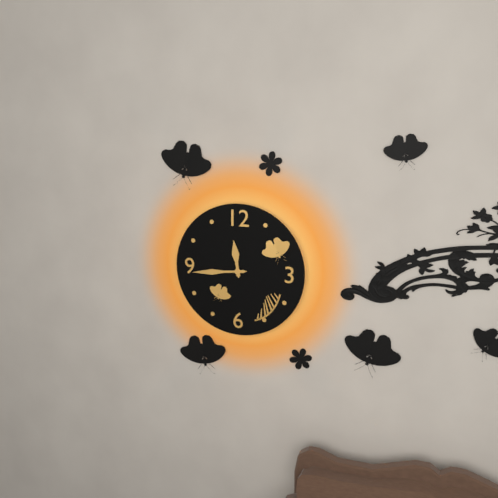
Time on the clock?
11:44
